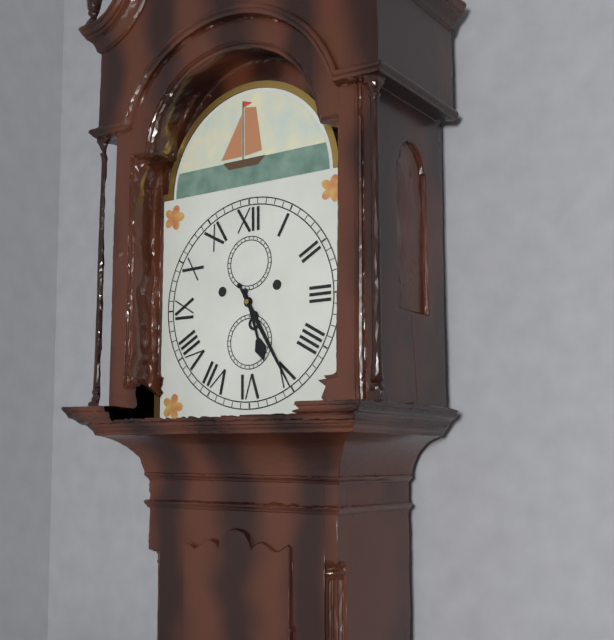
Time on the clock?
5:25
